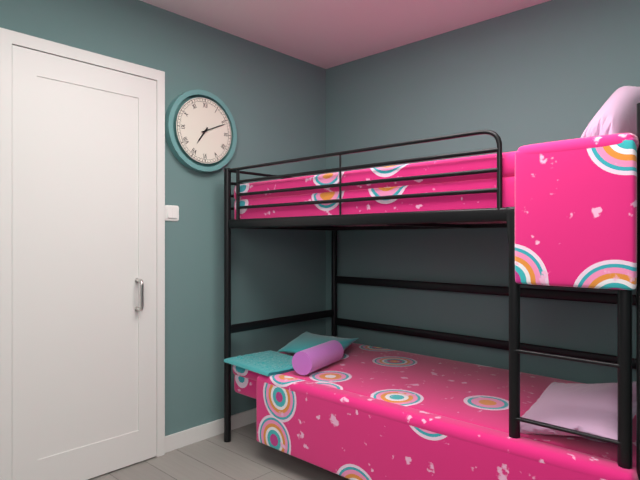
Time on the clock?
7:11
